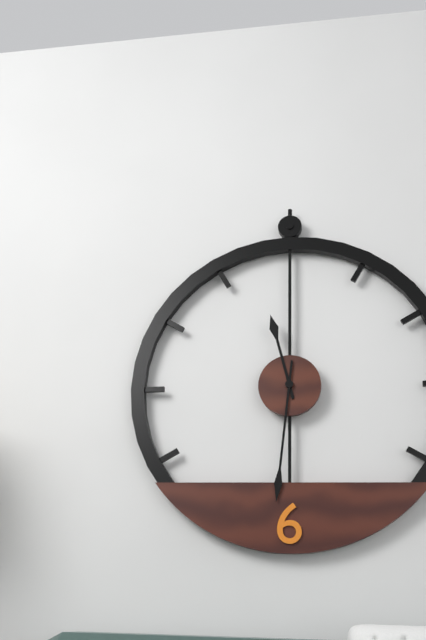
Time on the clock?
11:31
